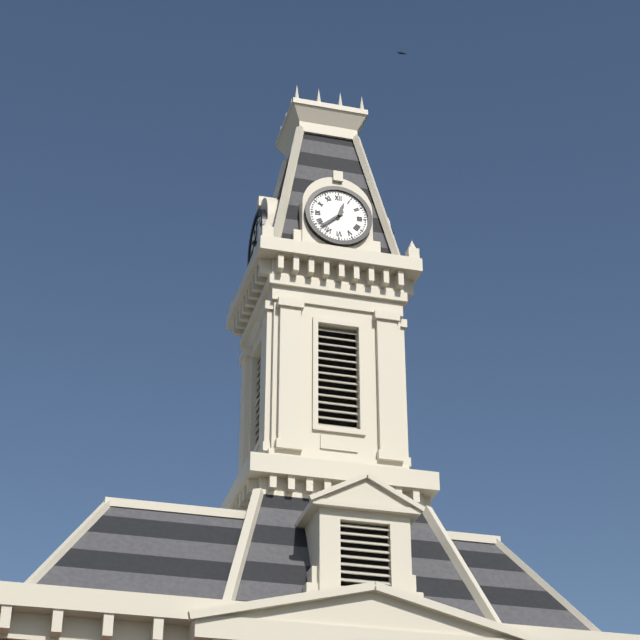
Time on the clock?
12:38
